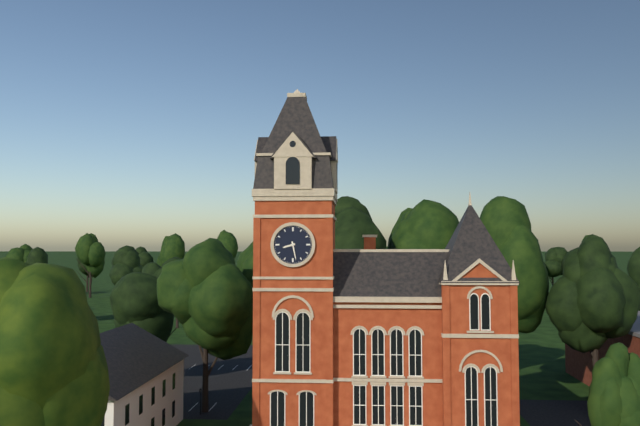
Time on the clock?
8:28
